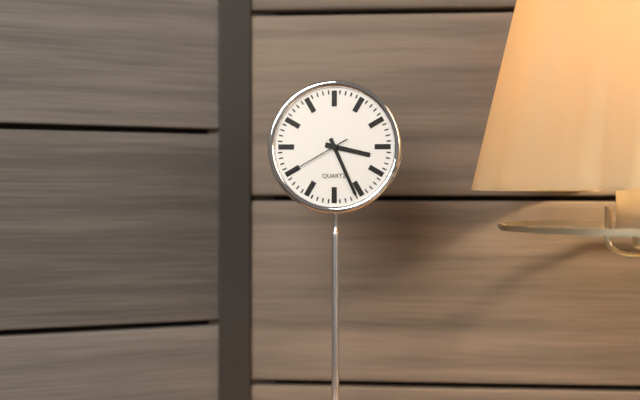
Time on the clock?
3:26:40
